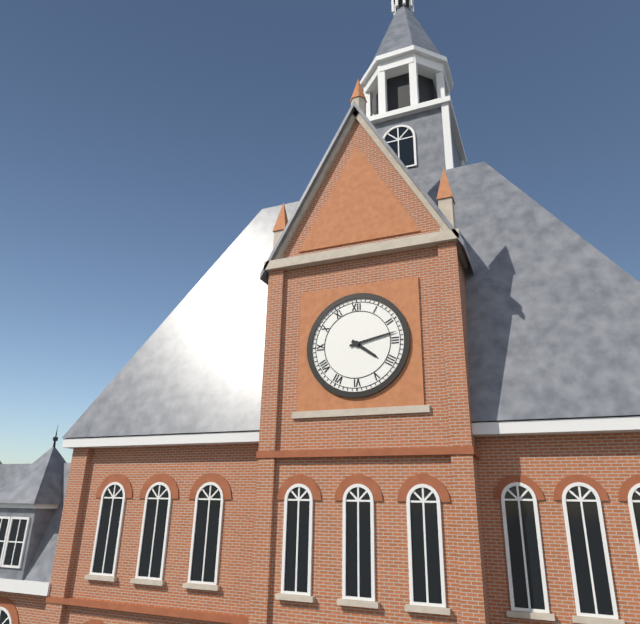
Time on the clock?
4:13
